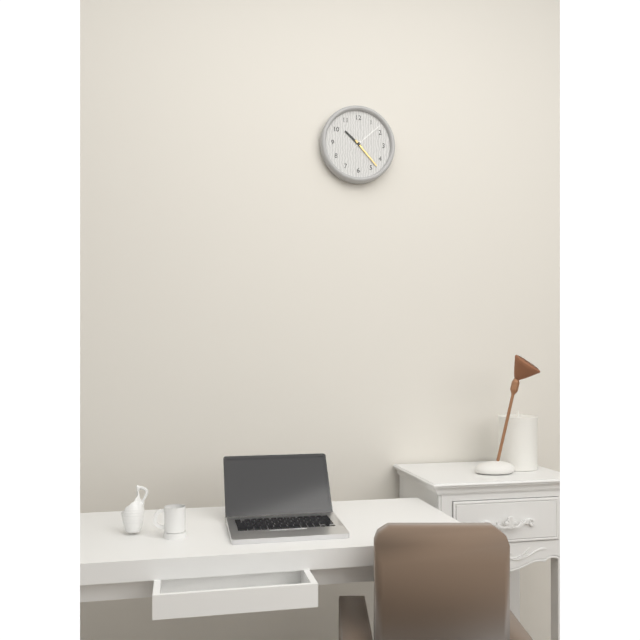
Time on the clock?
10:23
